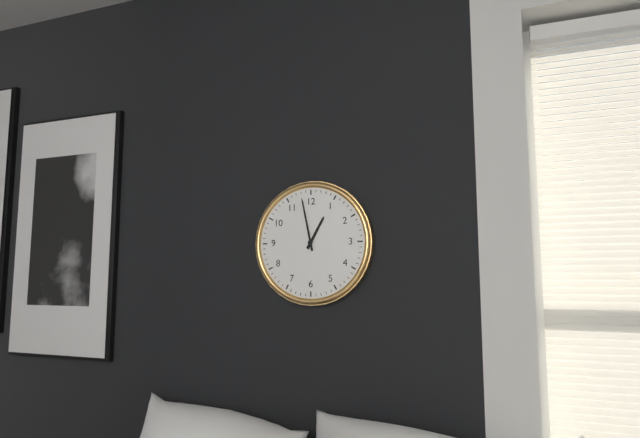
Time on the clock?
12:58
